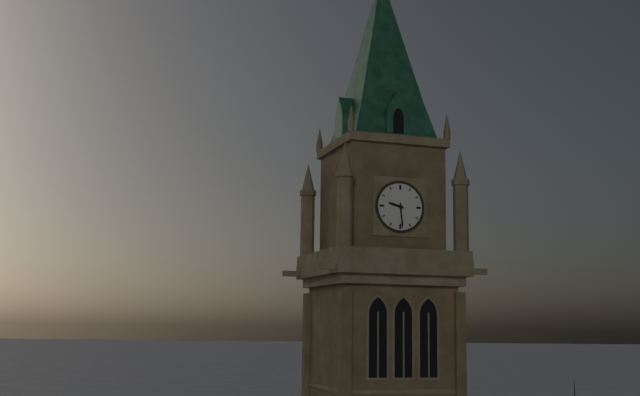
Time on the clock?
9:29
